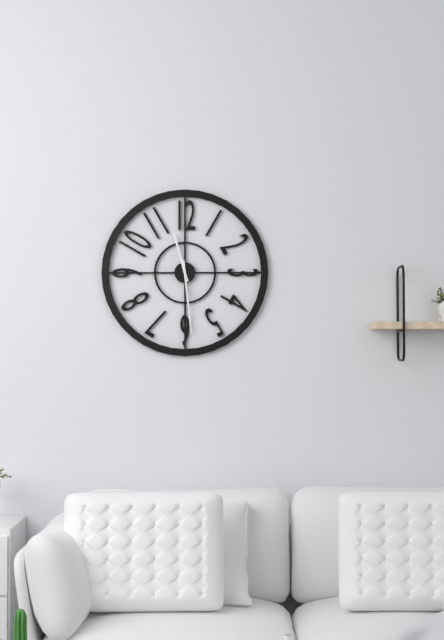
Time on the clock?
11:29
